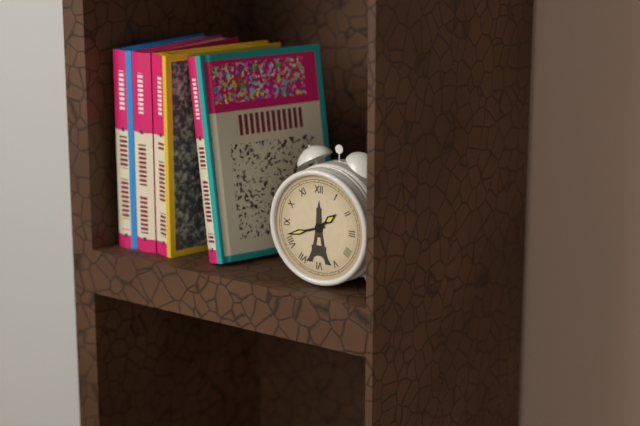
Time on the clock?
1:42
